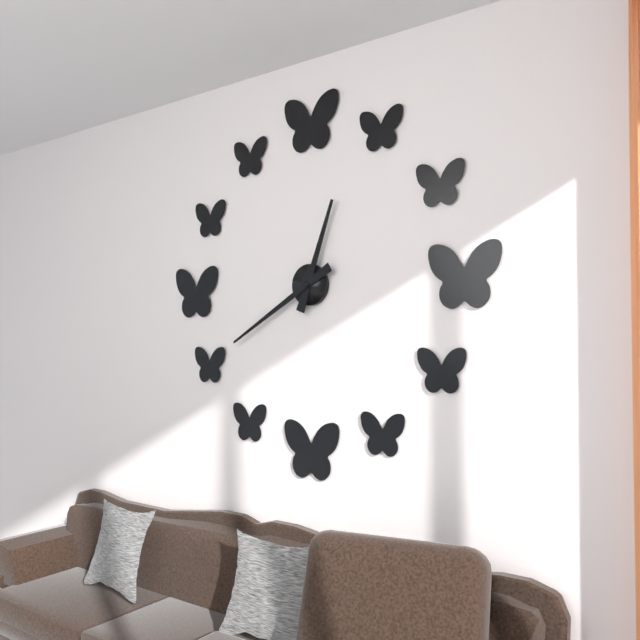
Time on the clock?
12:40
